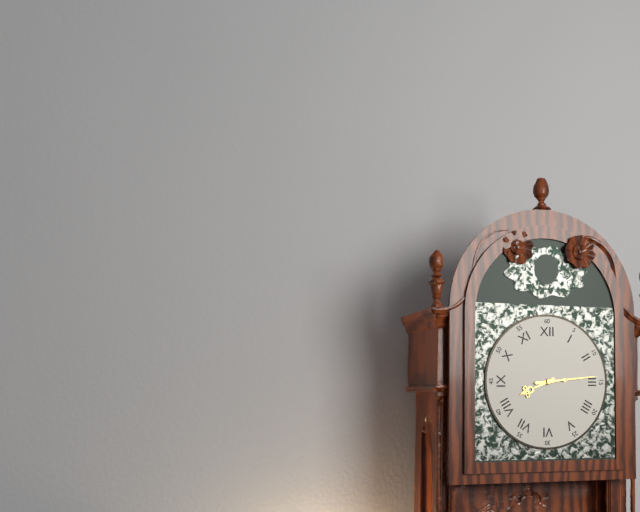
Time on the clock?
8:14
